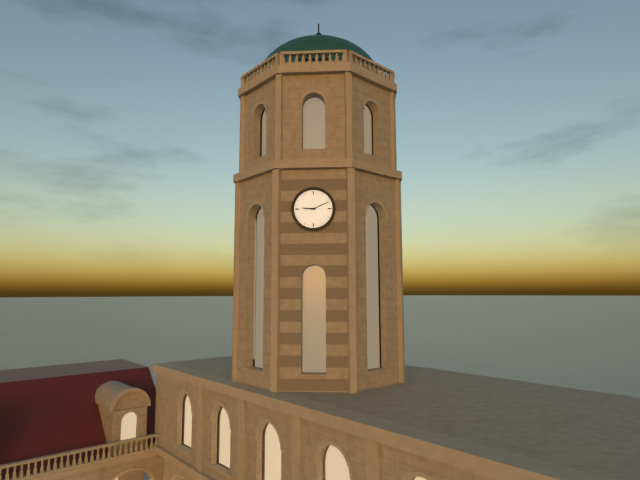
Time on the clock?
9:11
